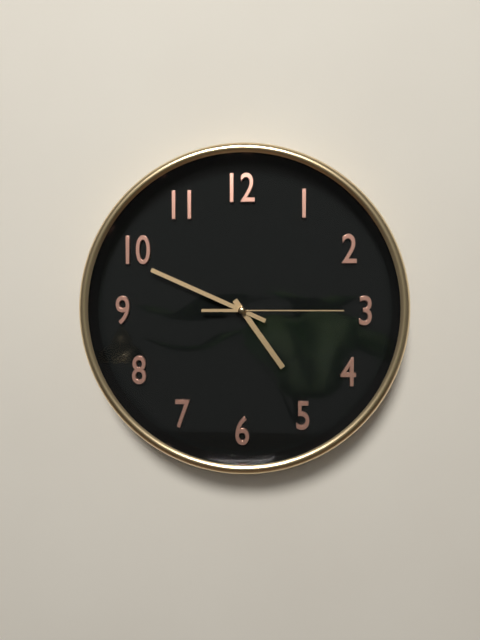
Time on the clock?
4:49:15
